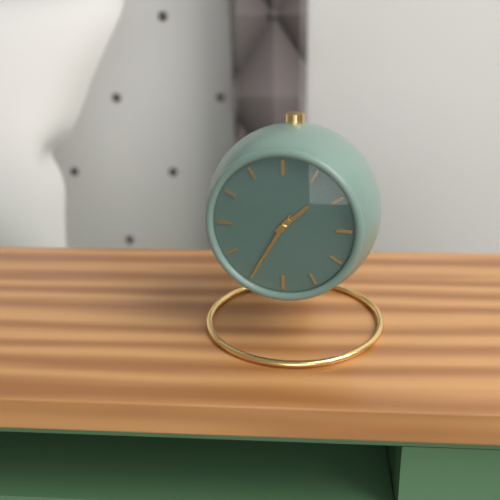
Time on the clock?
1:35:35
